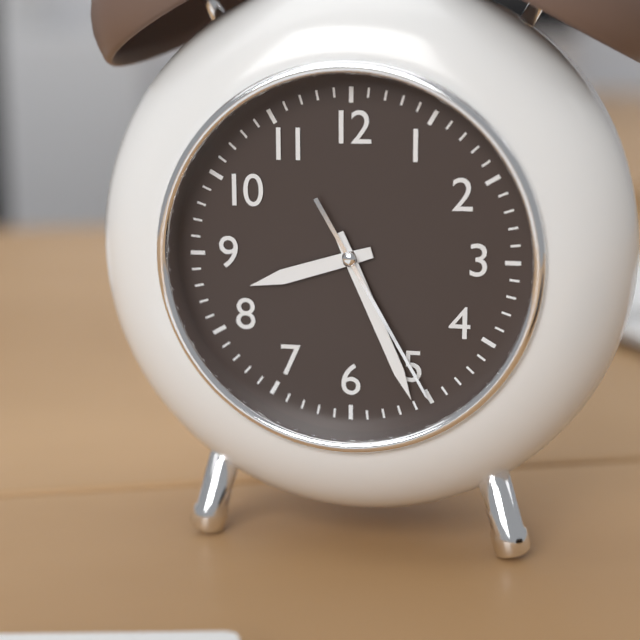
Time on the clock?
8:26:25
